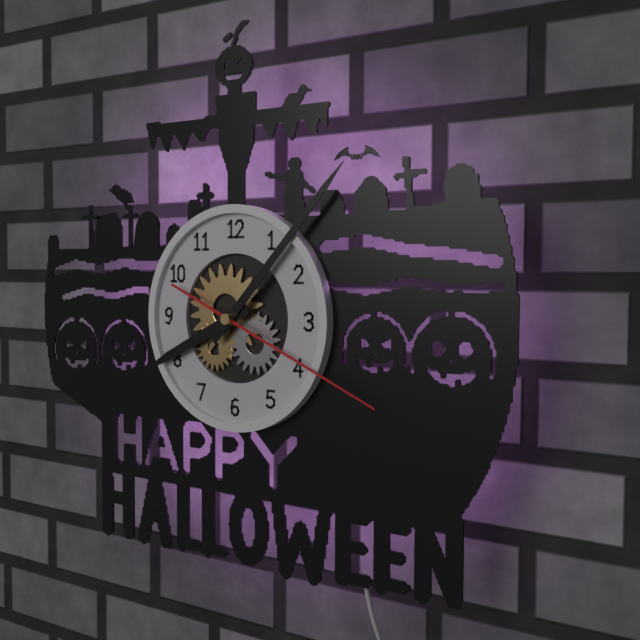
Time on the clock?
8:07:19
